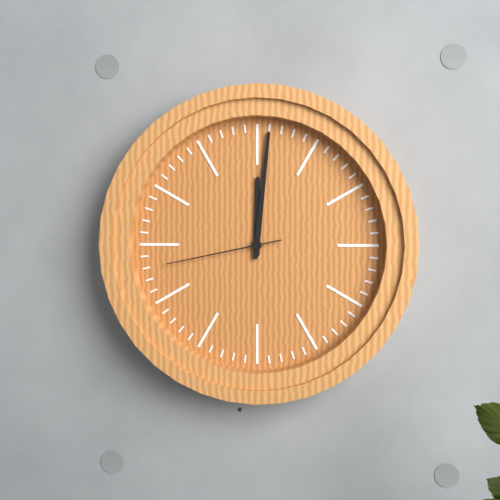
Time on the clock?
12:01:43
